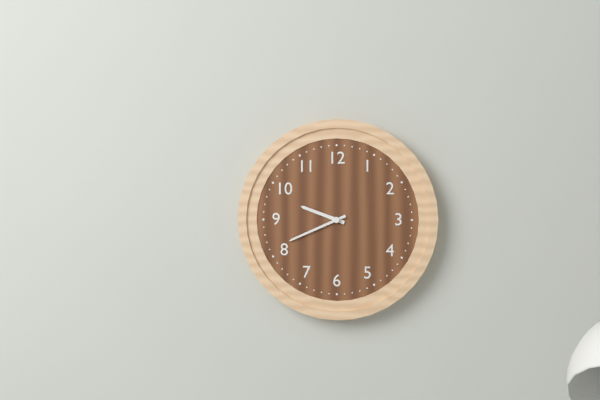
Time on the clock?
9:41
